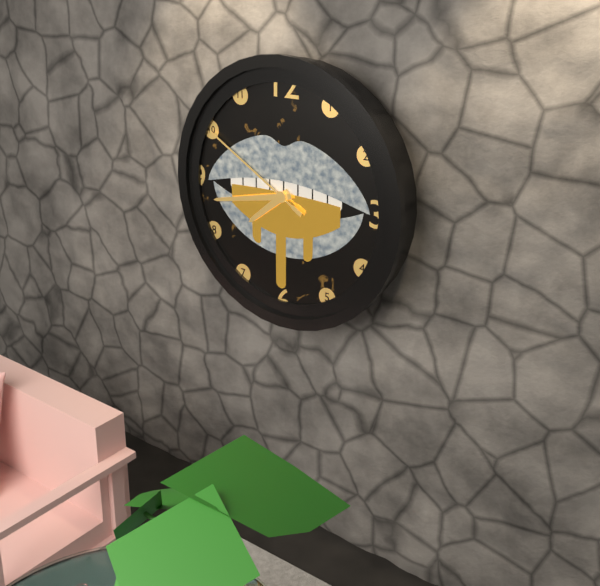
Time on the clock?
7:43:50
